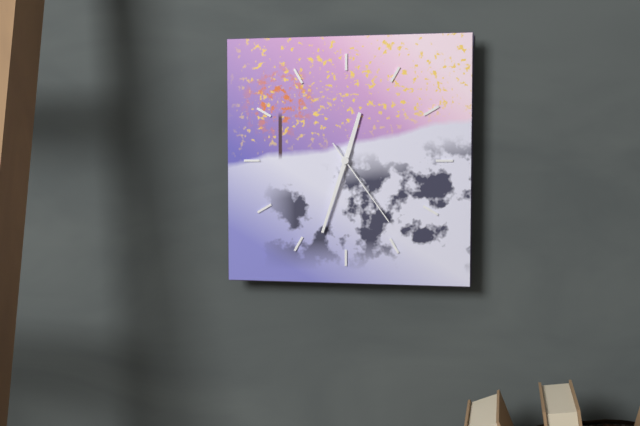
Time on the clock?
12:33:24
